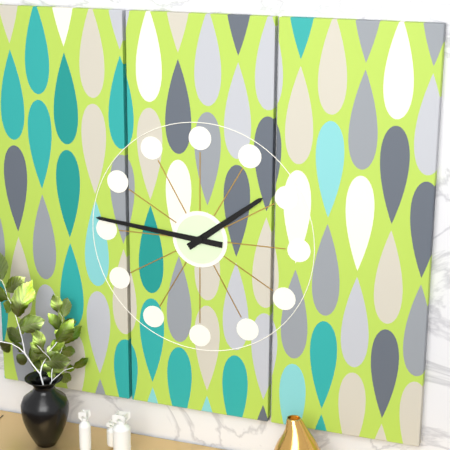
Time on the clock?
1:46
